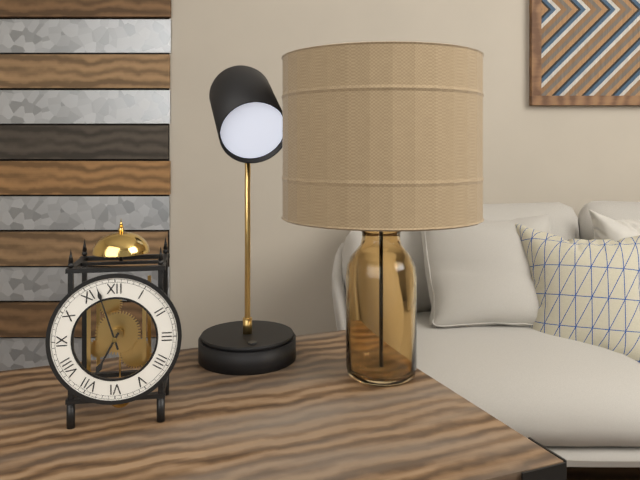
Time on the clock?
6:57
